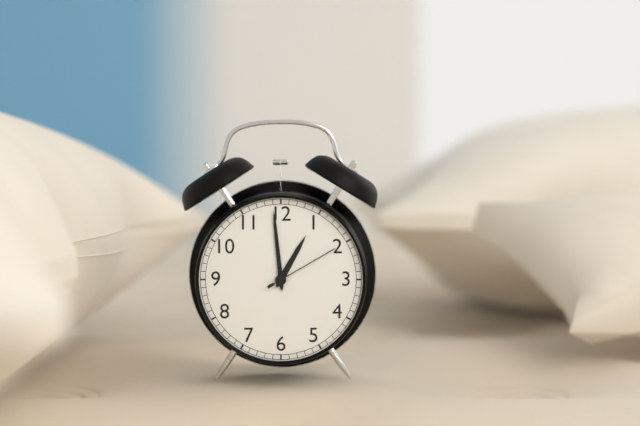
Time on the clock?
12:59:10
